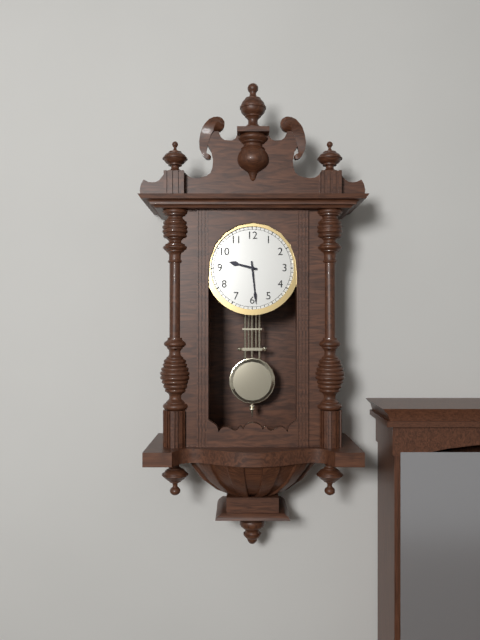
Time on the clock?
9:29
